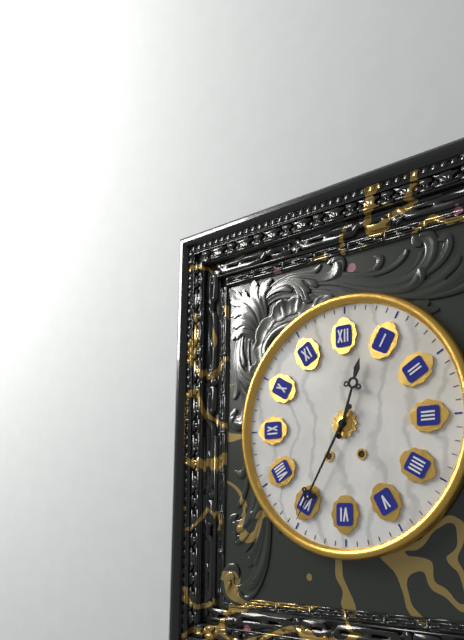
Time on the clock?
12:35
